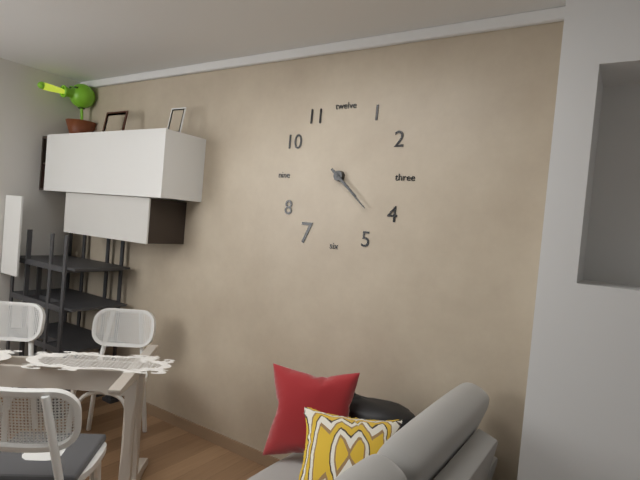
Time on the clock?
4:22
